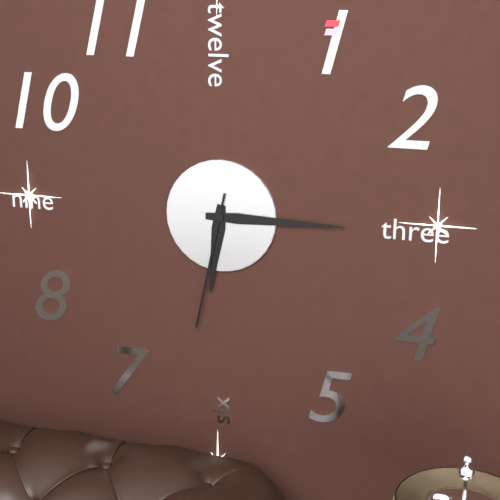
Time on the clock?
6:15:32
